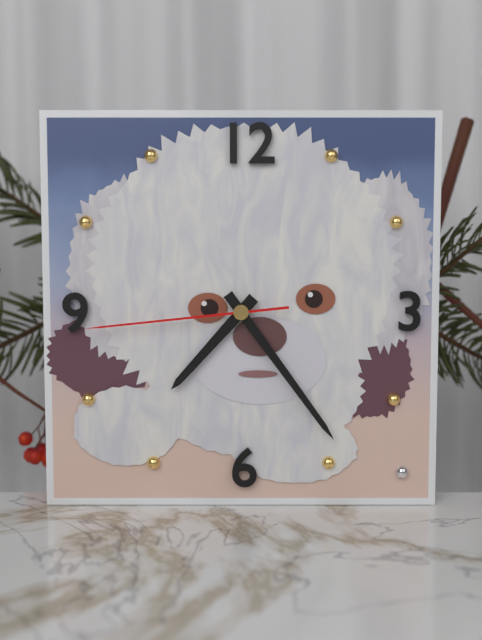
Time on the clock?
7:24:44
